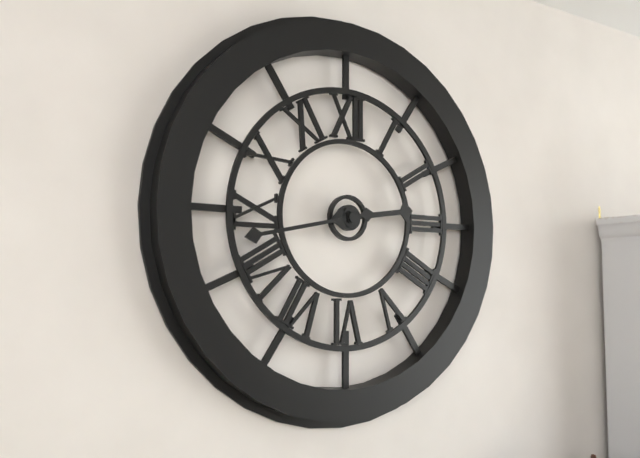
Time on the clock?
2:43
